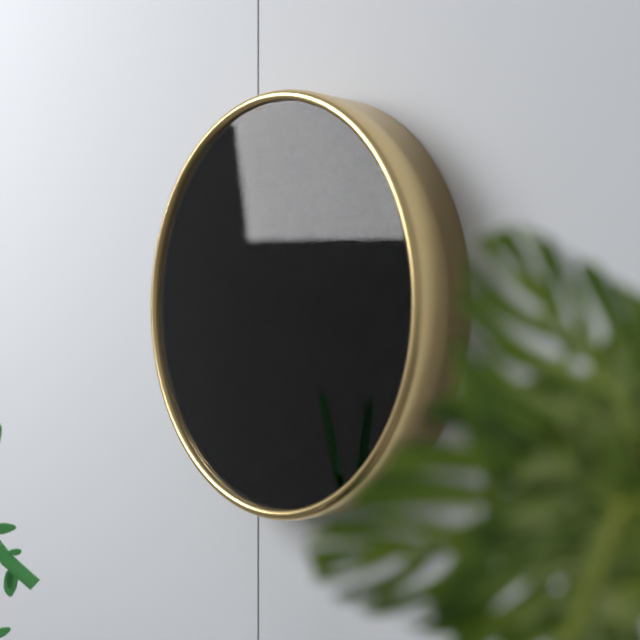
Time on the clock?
6:07
